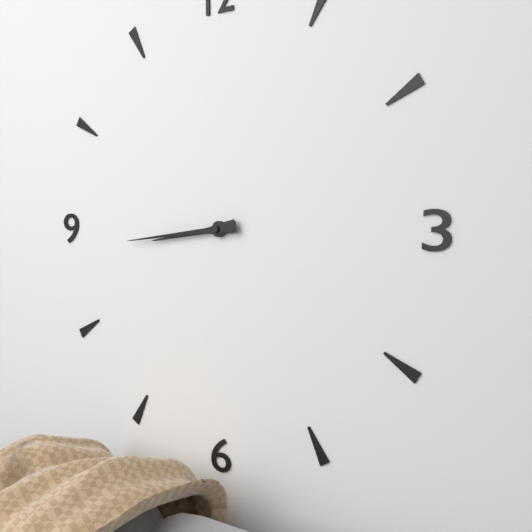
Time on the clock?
8:44
